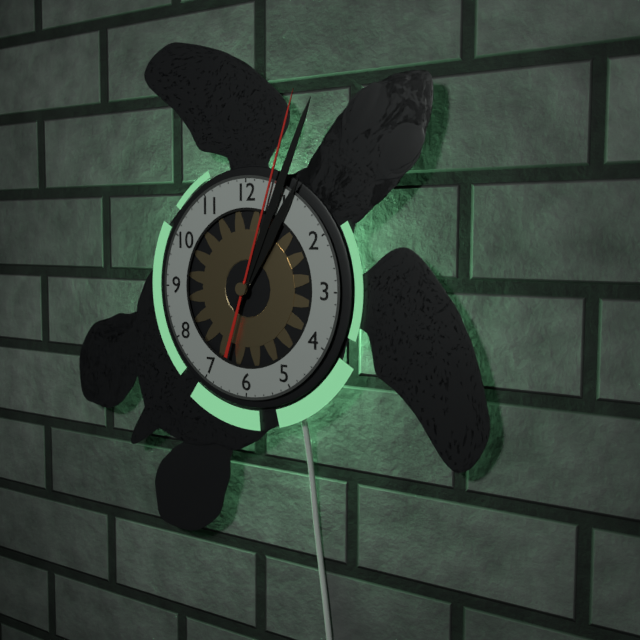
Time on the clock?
1:04:03
